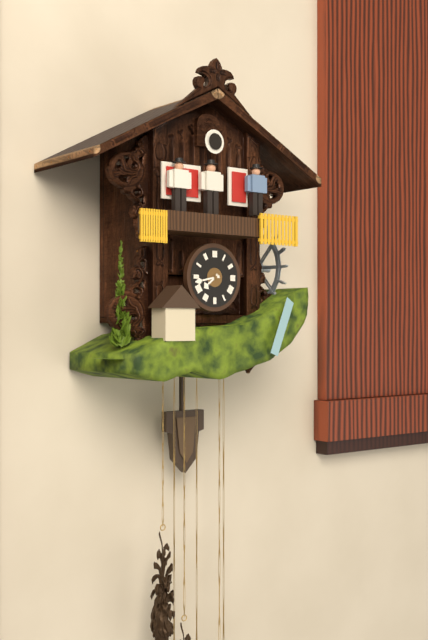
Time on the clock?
7:43
